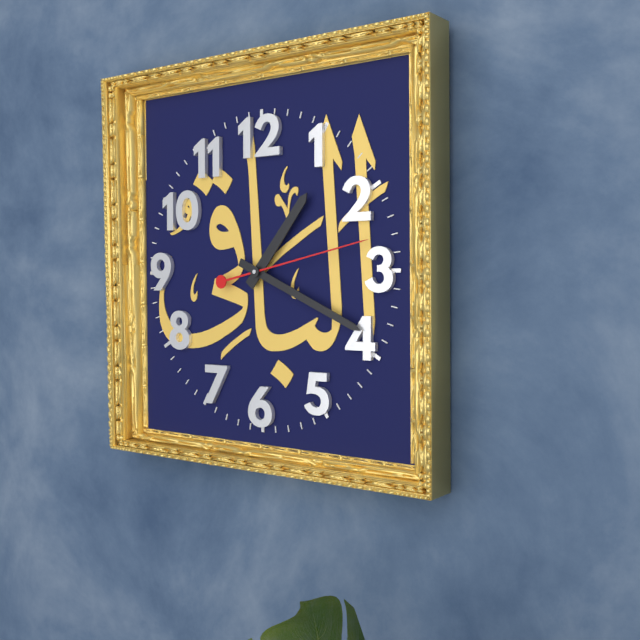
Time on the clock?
1:19:13
